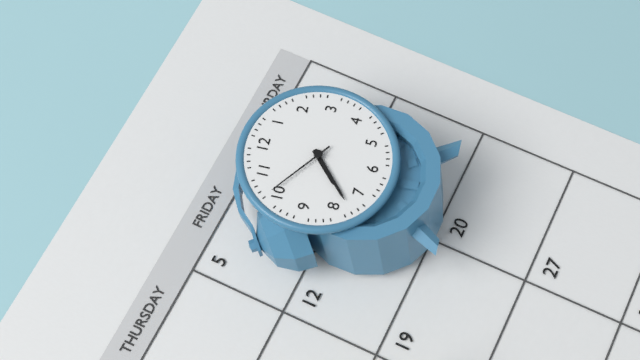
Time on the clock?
7:38:51
